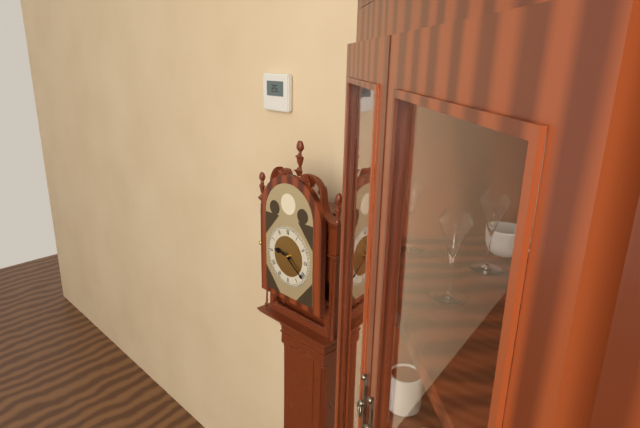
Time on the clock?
9:21
